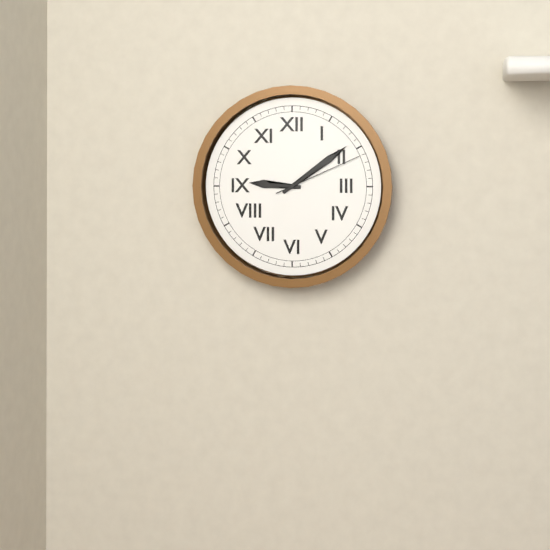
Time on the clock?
9:09:11
